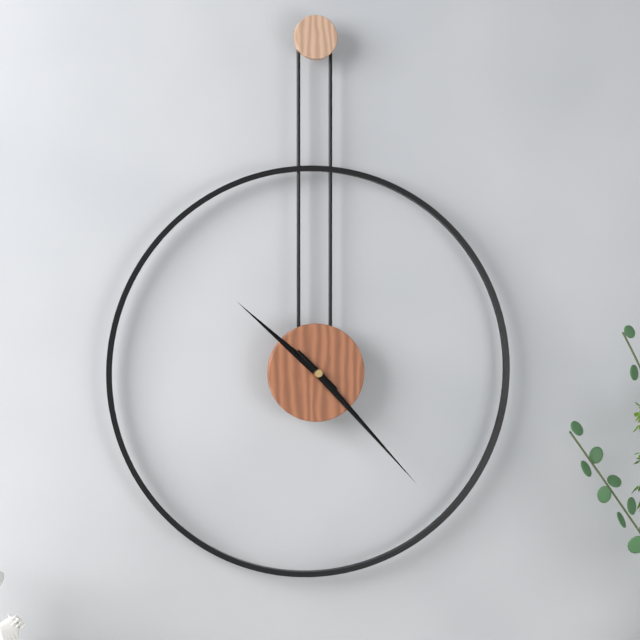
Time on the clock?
10:23
